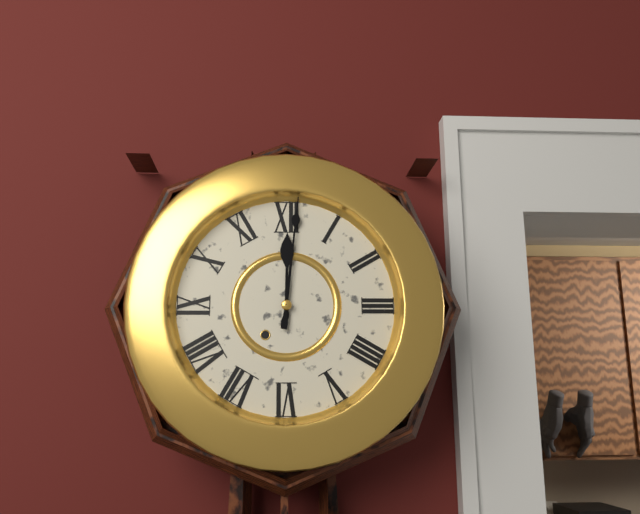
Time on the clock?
12:01
